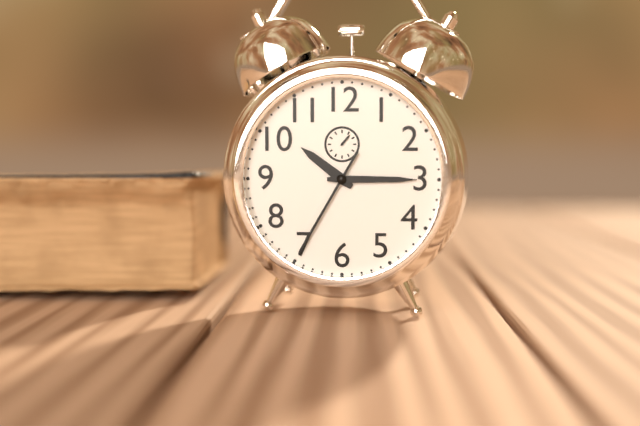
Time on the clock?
10:15:35
